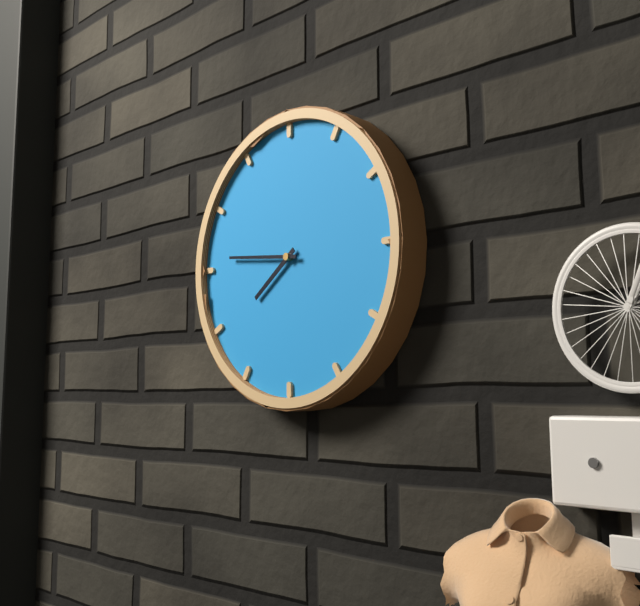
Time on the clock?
7:46
